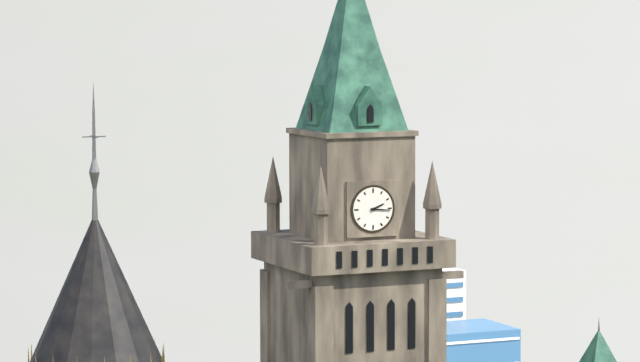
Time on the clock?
2:16
